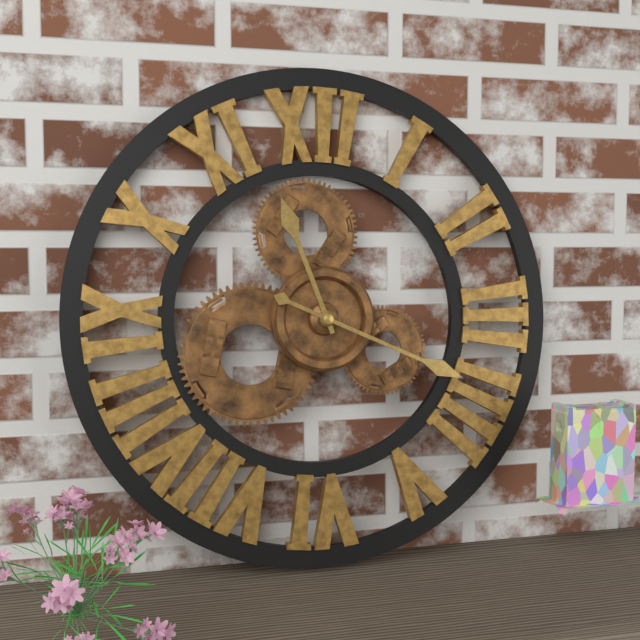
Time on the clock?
11:19
